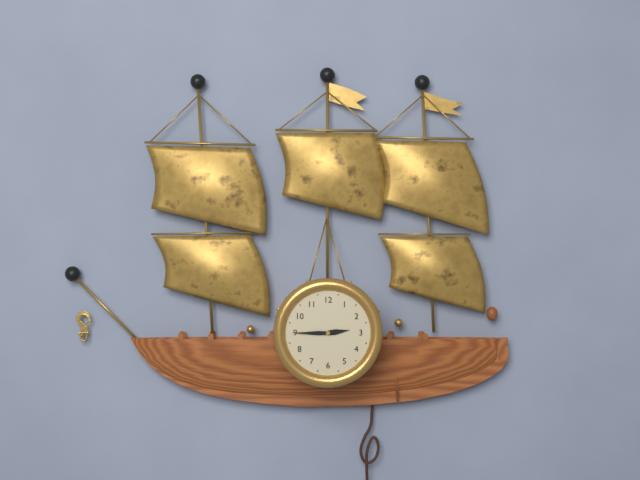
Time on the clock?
2:45
